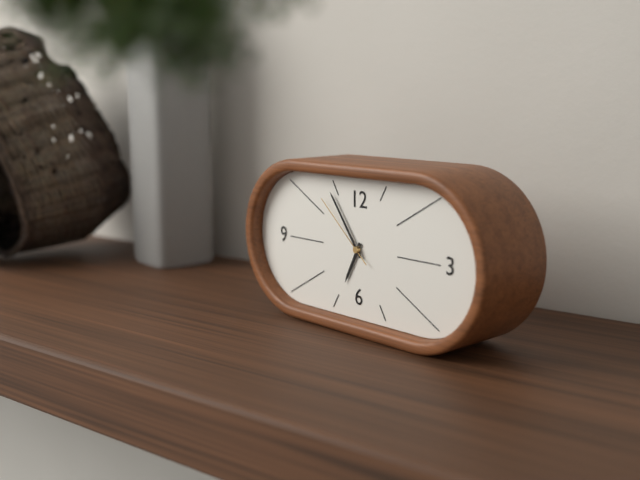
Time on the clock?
6:54:52
